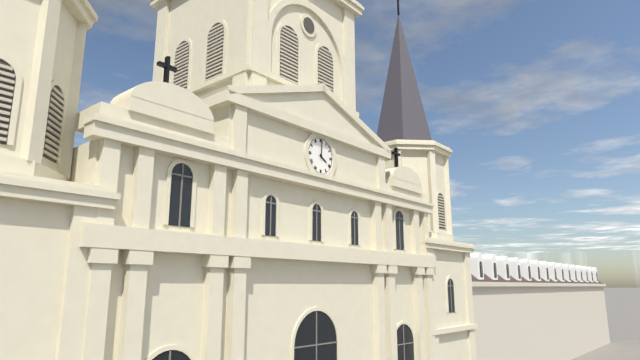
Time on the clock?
4:01
